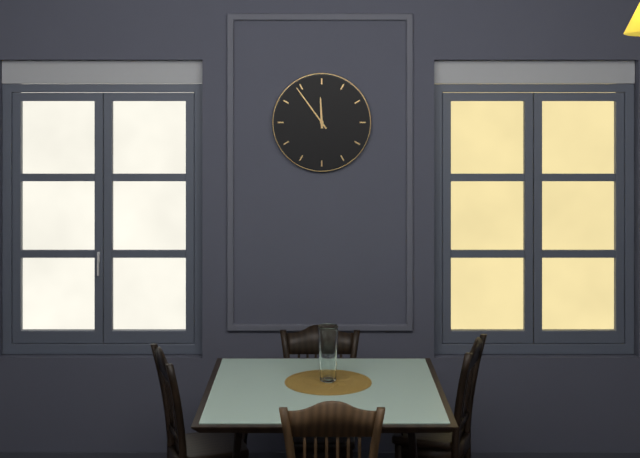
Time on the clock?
11:54
